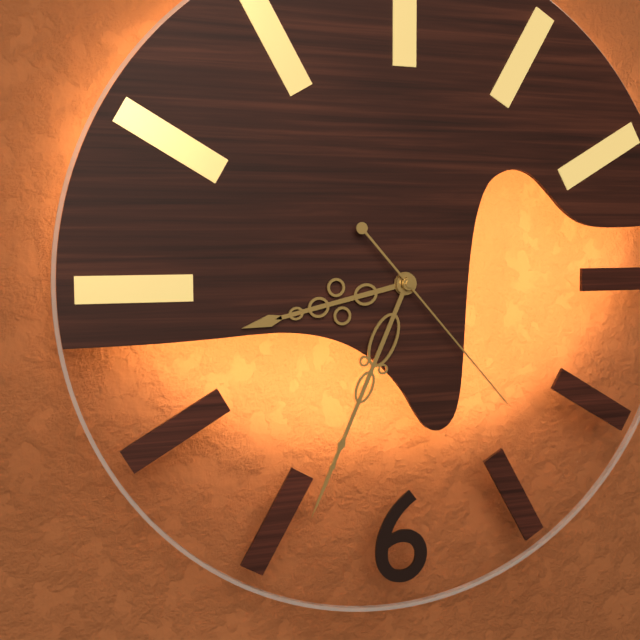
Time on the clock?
8:34:23
